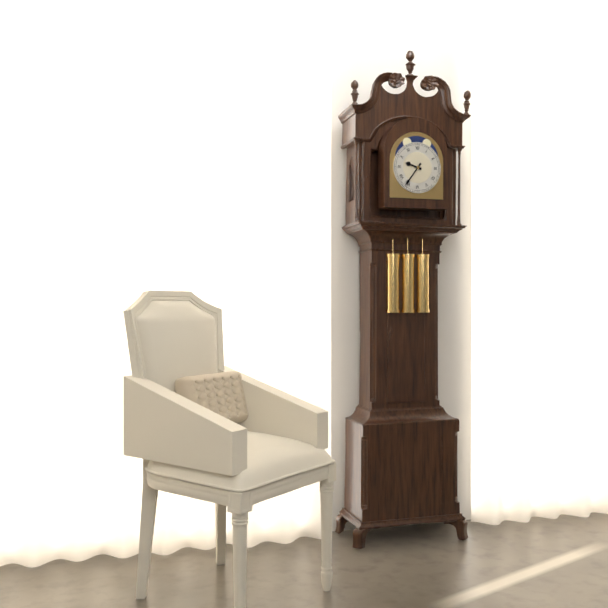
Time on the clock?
9:36
